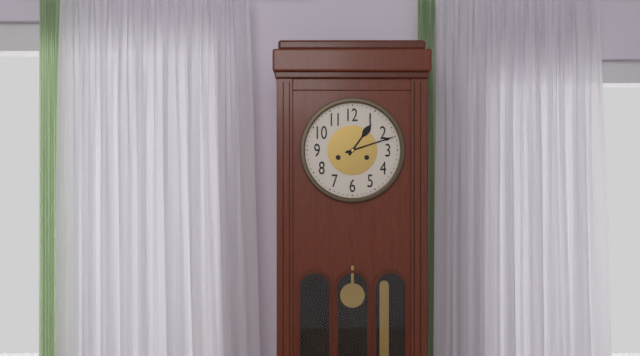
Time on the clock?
1:12
